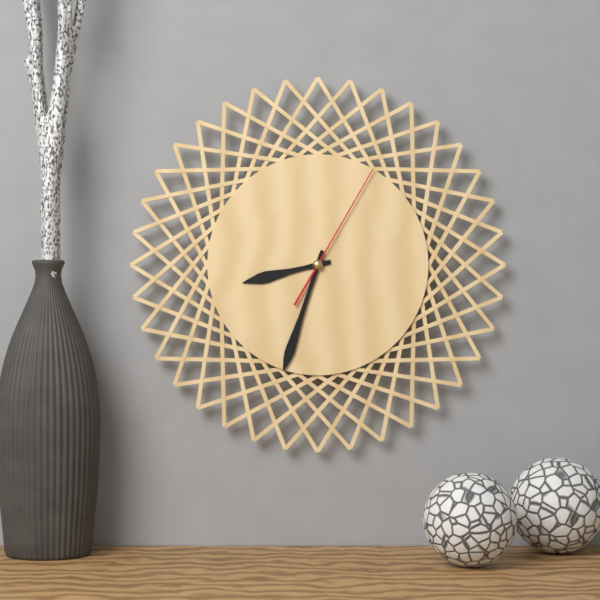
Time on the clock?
8:33:05
